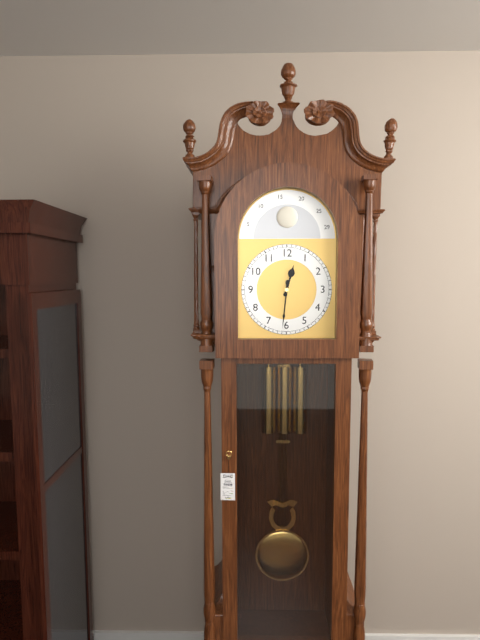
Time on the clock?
12:31
